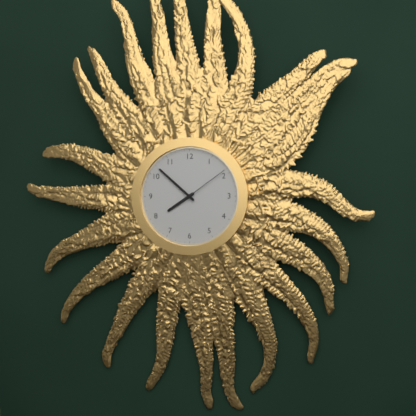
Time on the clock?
7:52:09
